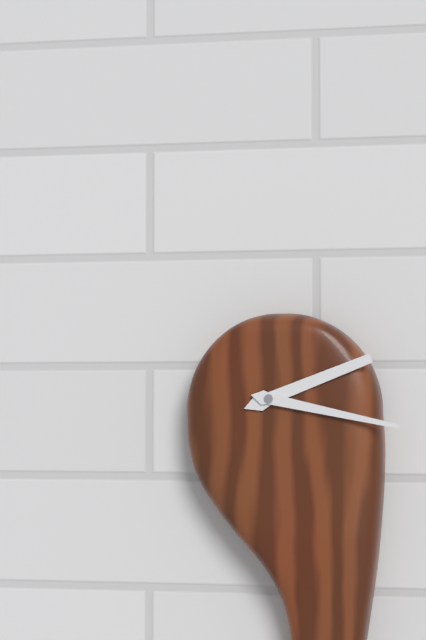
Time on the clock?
2:17
